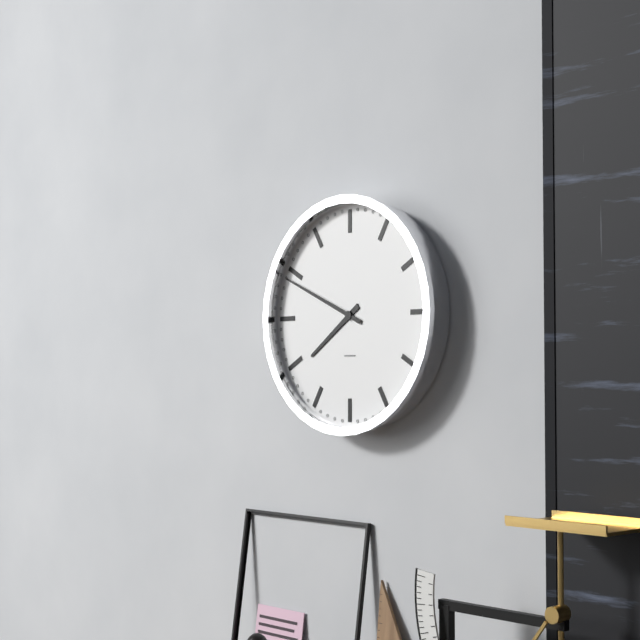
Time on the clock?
7:49
